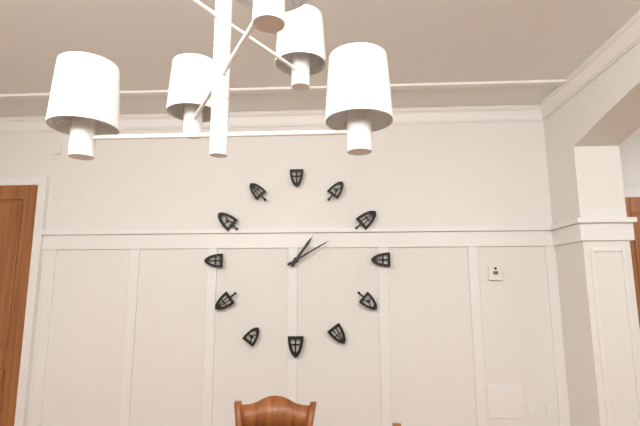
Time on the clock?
1:10
